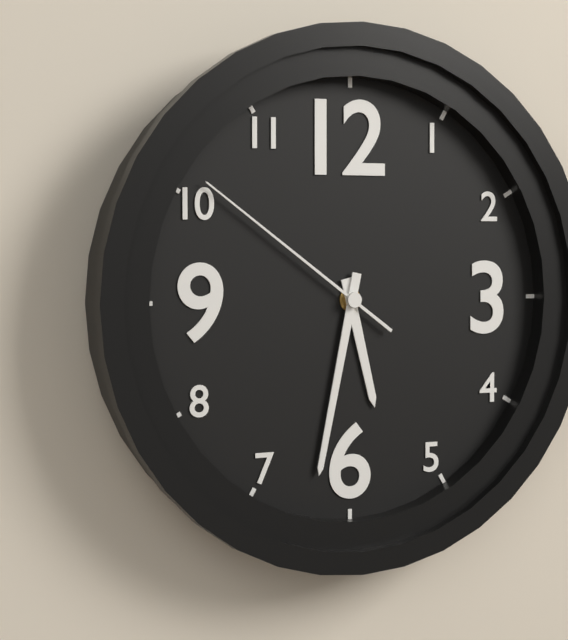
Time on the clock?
5:32:51
